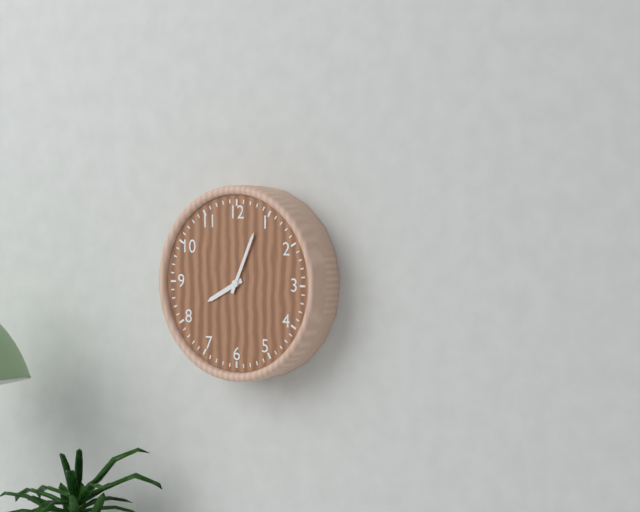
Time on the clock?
8:04
